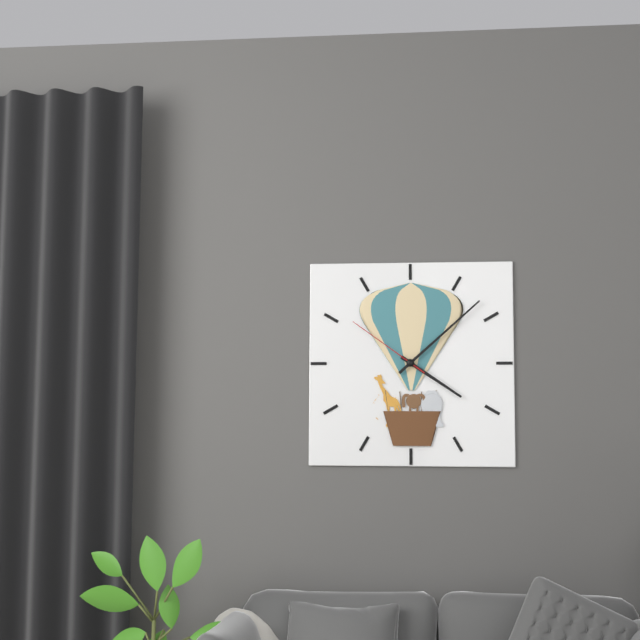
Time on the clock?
4:08:51
